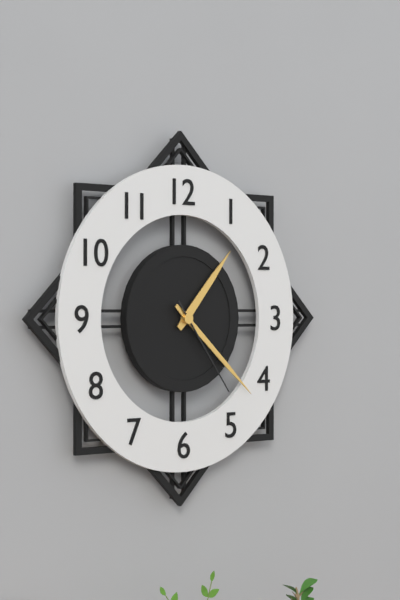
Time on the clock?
1:22:24
